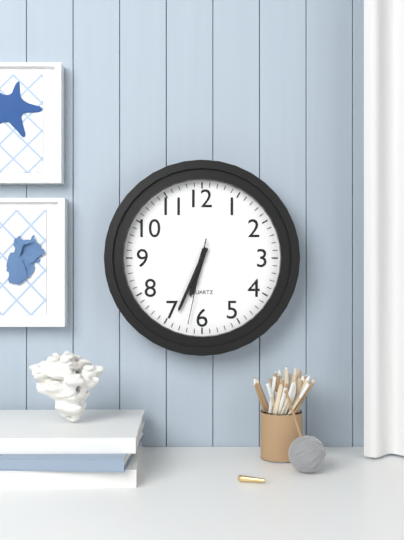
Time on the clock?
6:34:32
